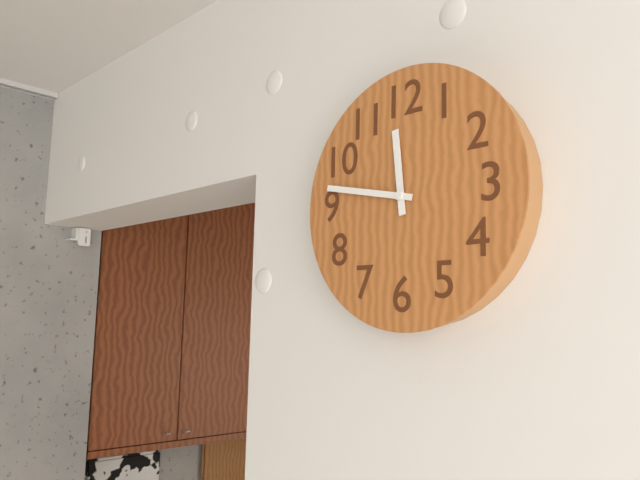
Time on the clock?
11:47
